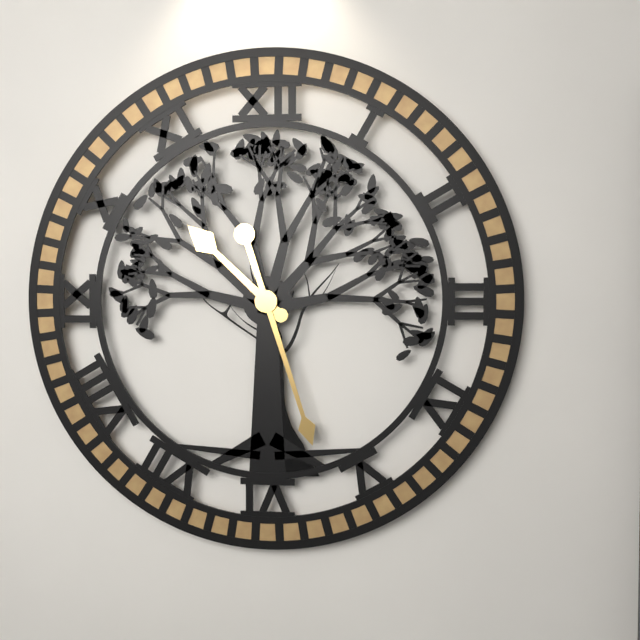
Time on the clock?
10:27
